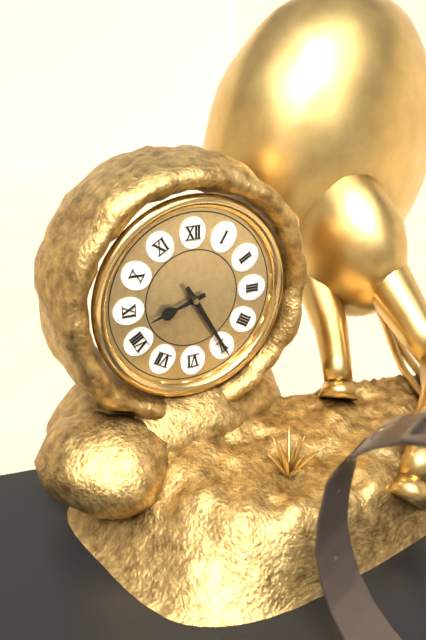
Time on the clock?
8:25
